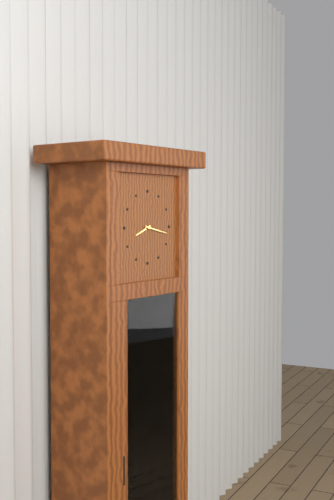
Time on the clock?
8:17
